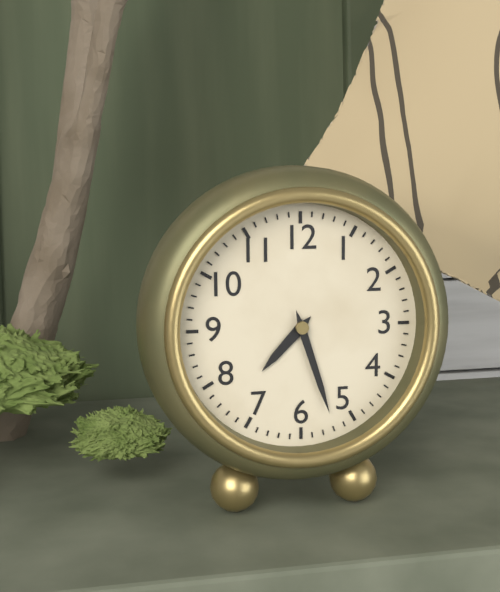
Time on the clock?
7:27
